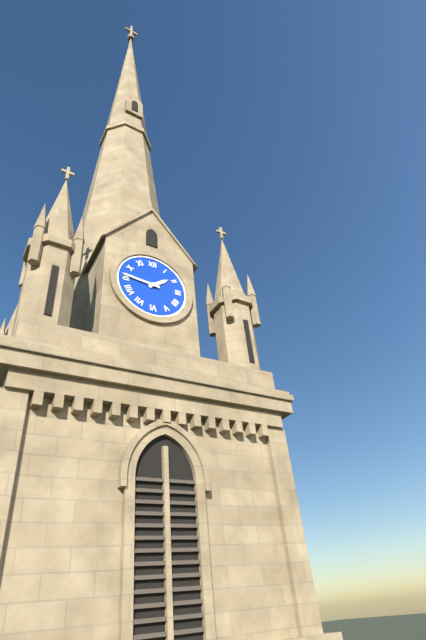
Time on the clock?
1:46
